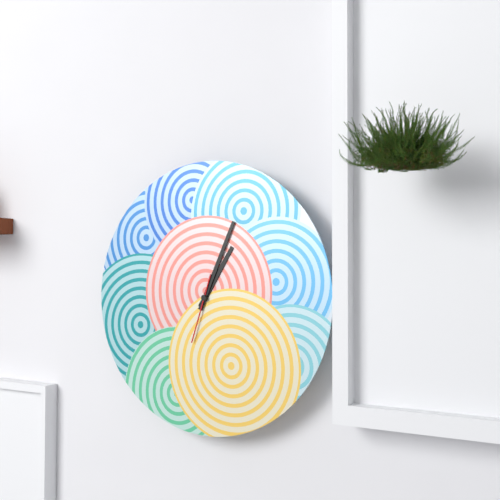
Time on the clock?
1:04:33
